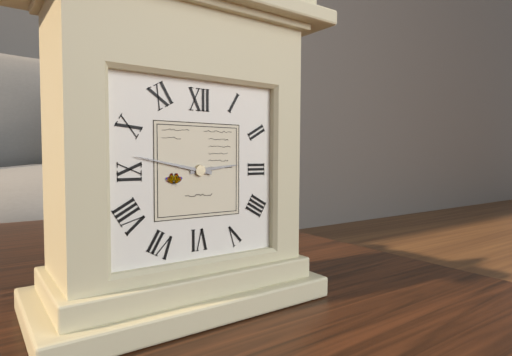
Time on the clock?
2:47
